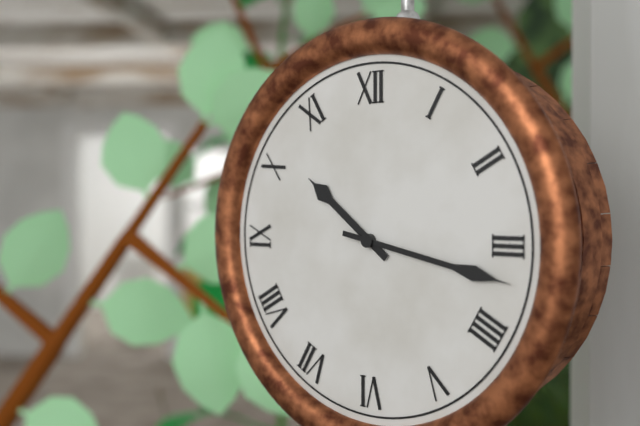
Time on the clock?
10:17
